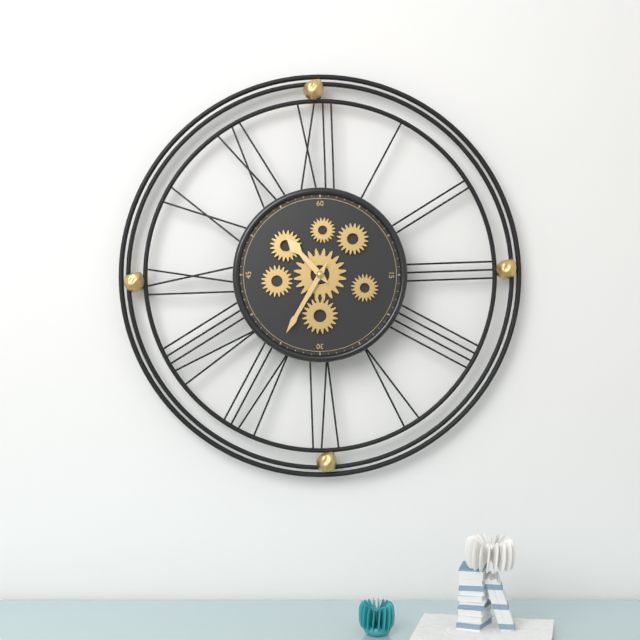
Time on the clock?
10:35
